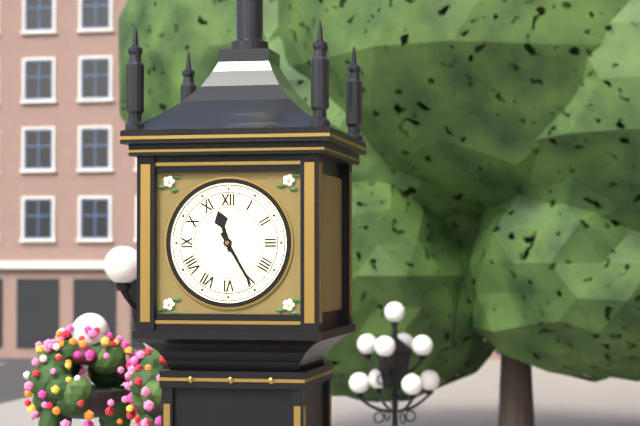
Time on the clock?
11:25
